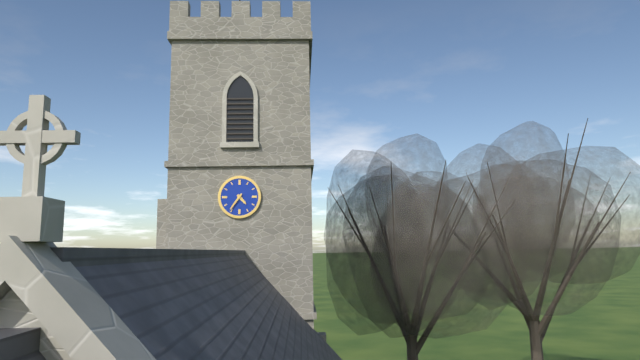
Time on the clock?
4:36
